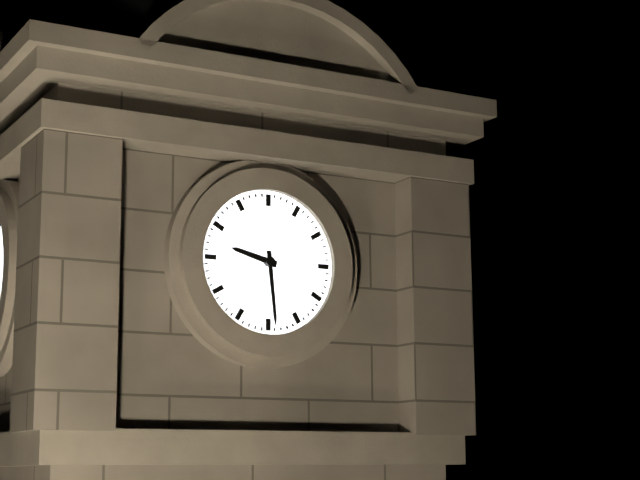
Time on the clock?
9:29
